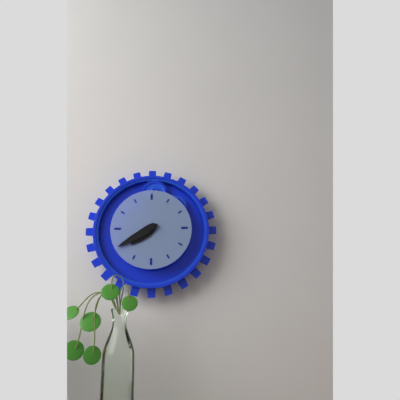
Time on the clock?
7:40
